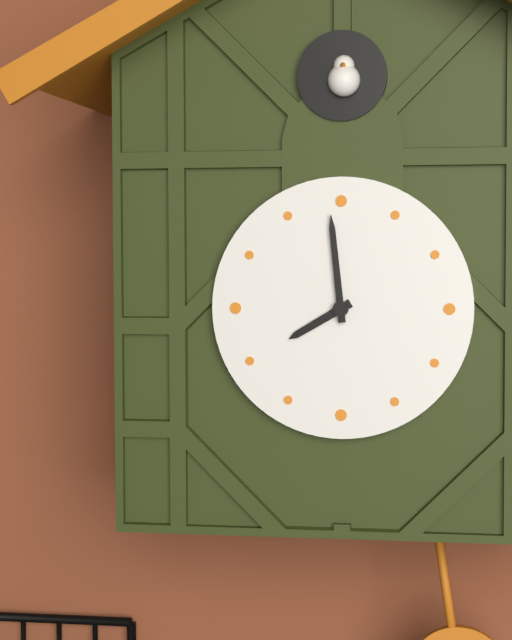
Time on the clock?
7:59
